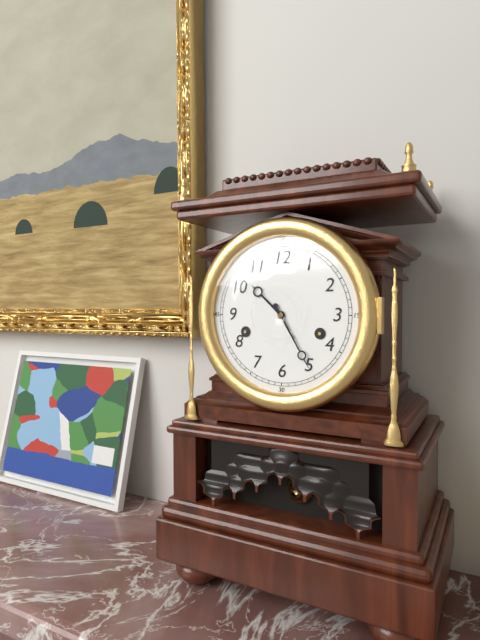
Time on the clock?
10:25
